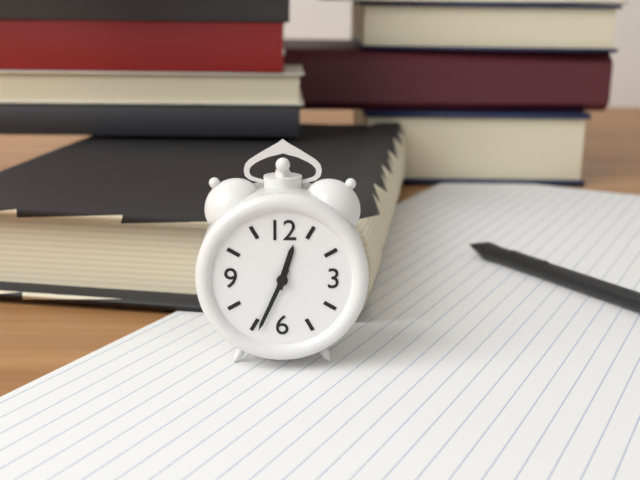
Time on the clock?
12:34
